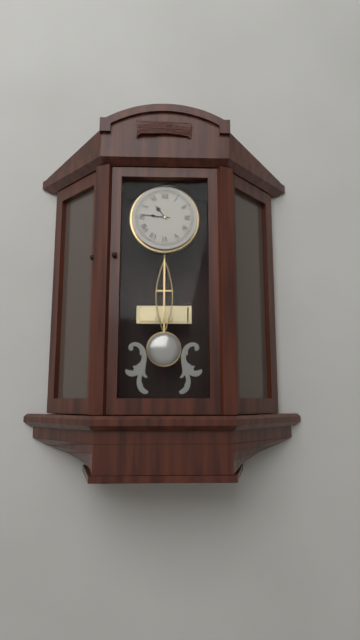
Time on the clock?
10:46
